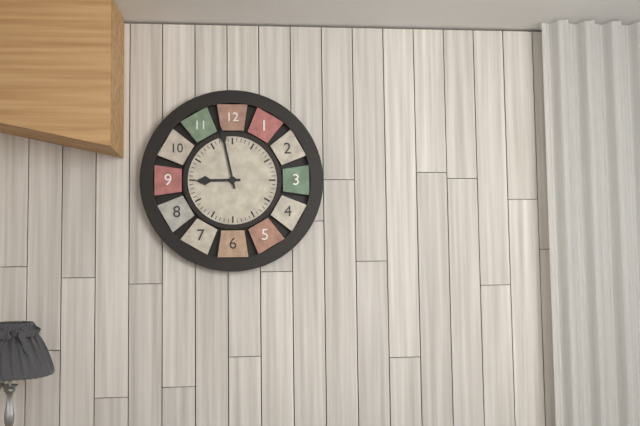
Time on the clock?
8:58
